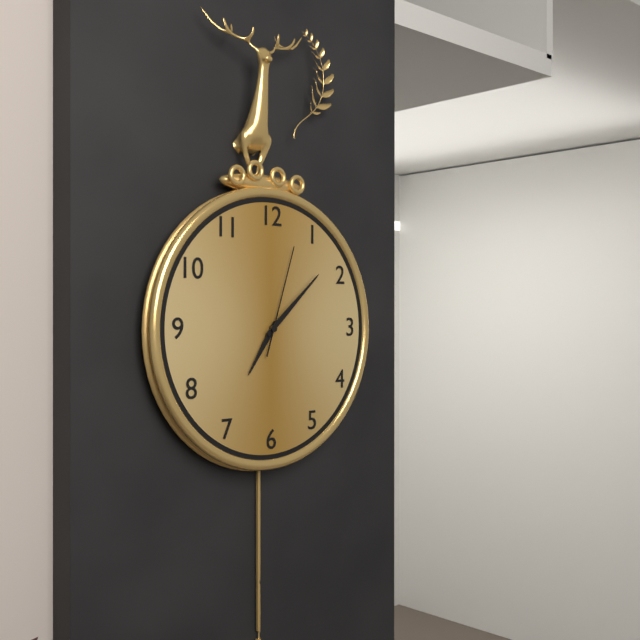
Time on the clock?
7:08:03
